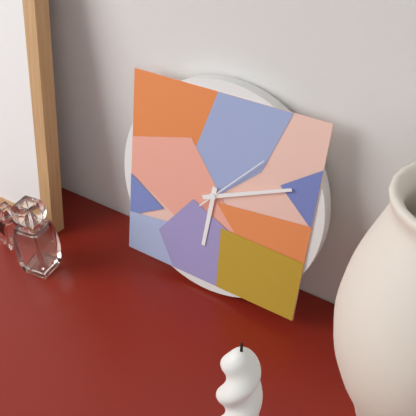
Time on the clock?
6:11:07
